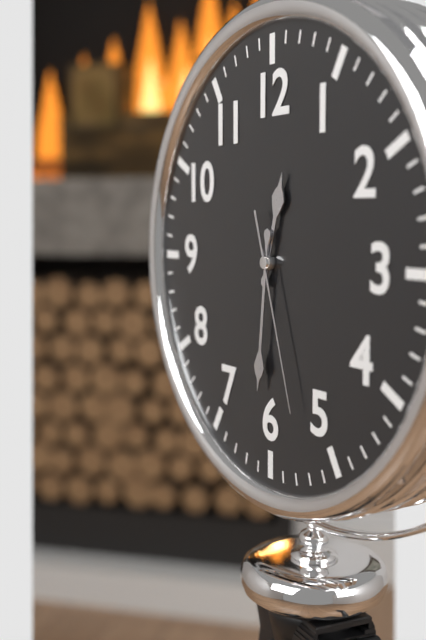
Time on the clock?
12:31:27
